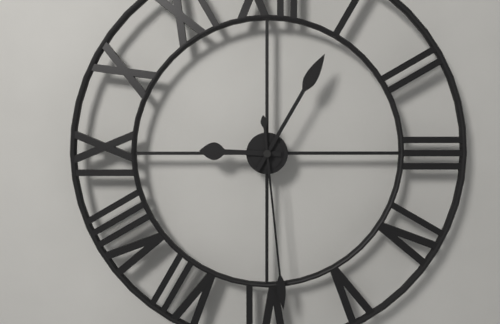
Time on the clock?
9:05:29
